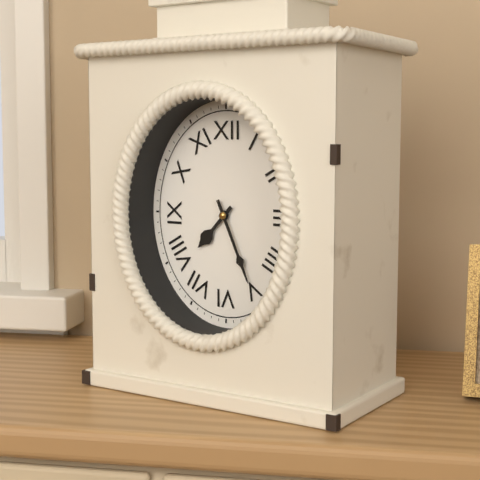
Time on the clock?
7:26
